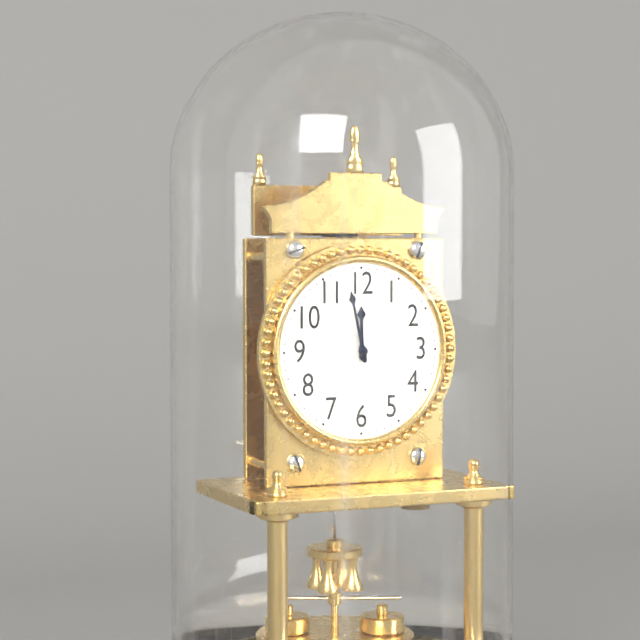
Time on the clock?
11:58
